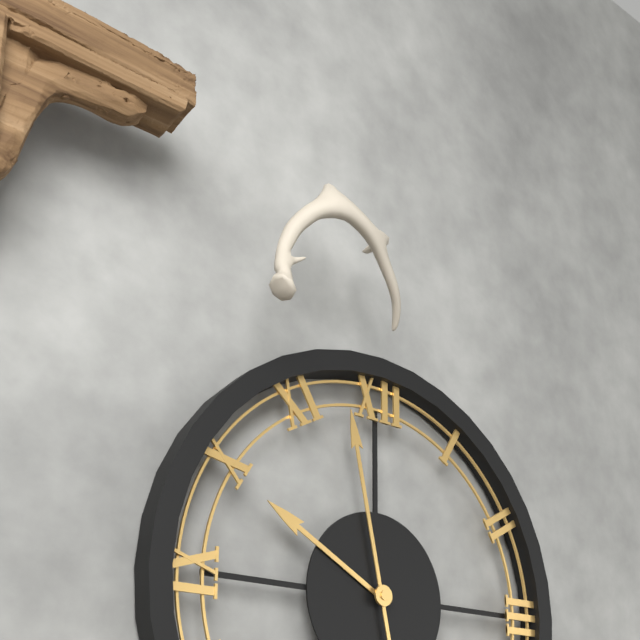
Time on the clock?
9:58
